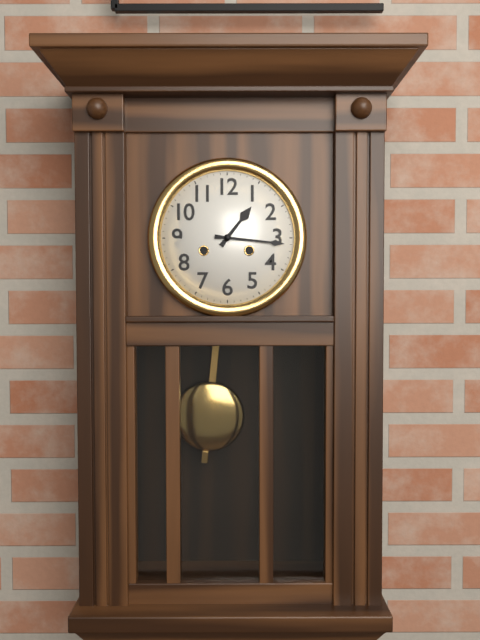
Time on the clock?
1:16
